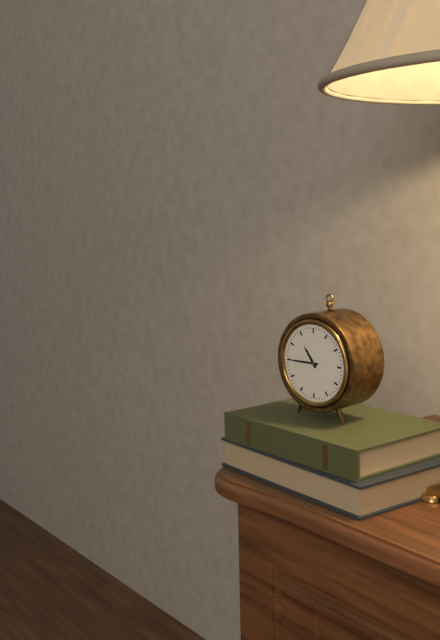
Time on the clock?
10:45
